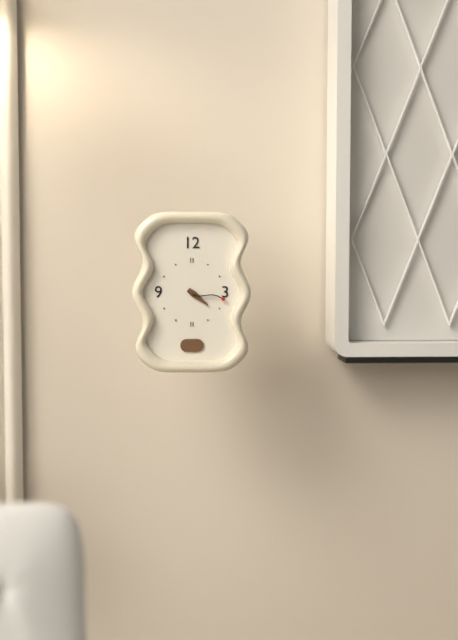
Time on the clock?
4:17
